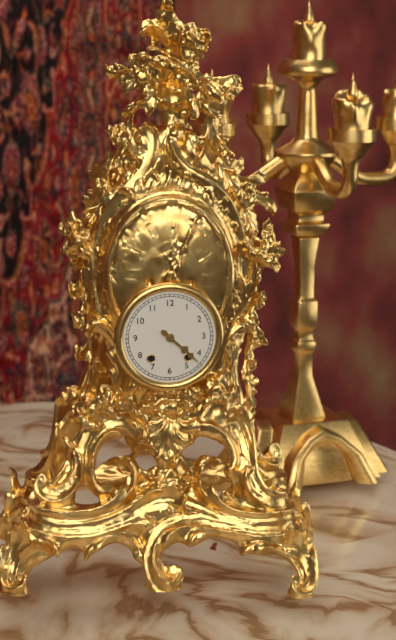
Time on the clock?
4:22
